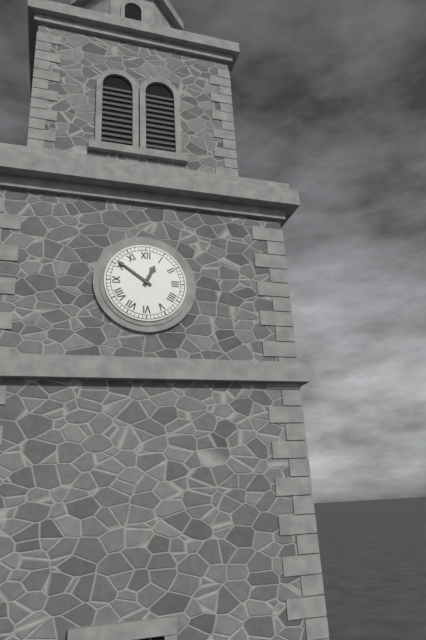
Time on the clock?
12:51
